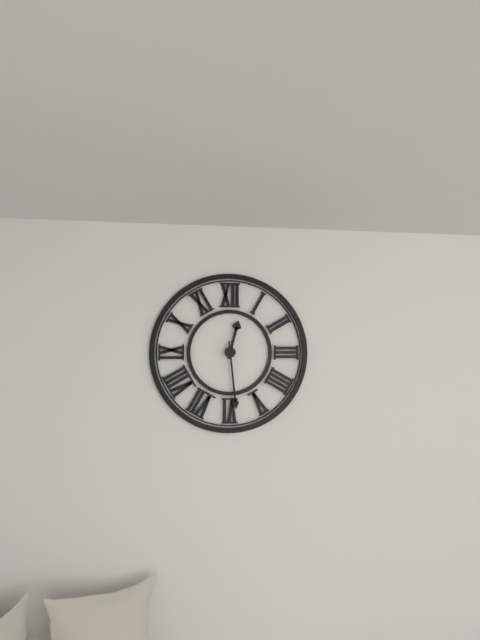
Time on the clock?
12:29
